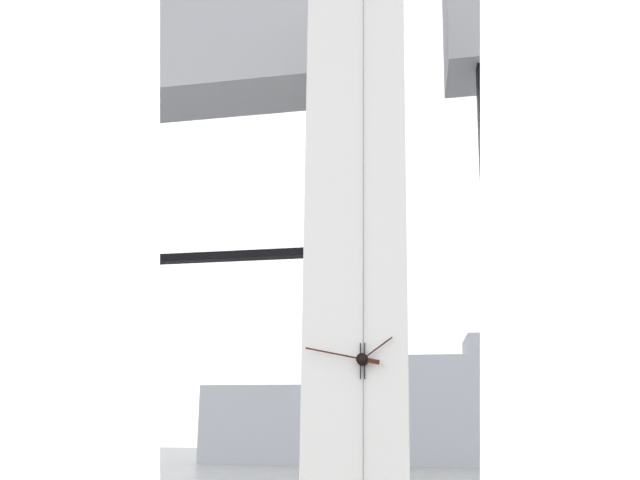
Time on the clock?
1:47
